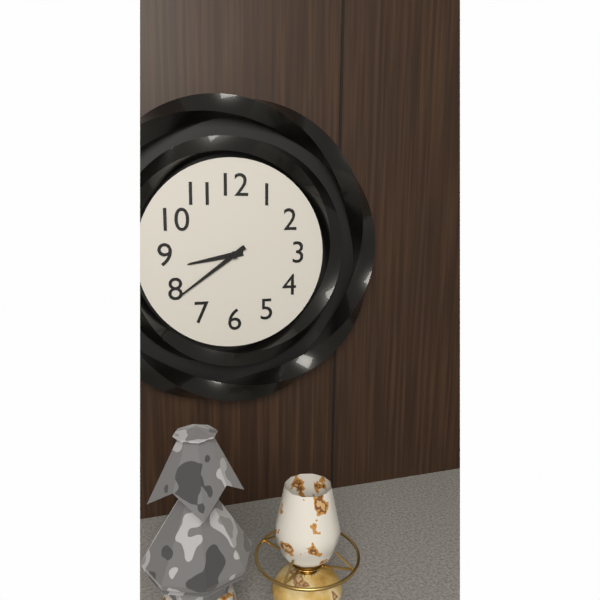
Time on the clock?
8:39
